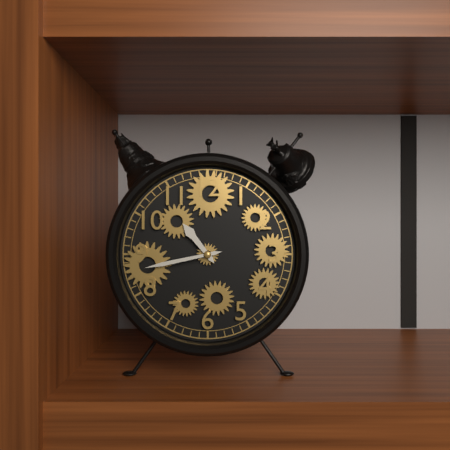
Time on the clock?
10:43
